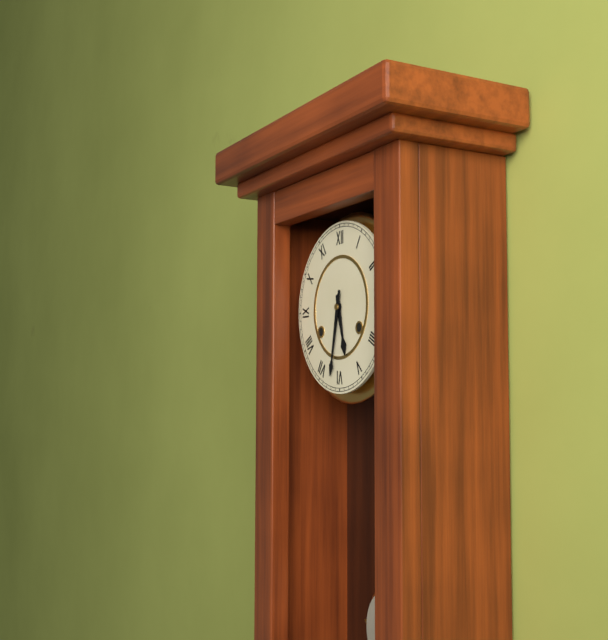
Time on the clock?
5:32
